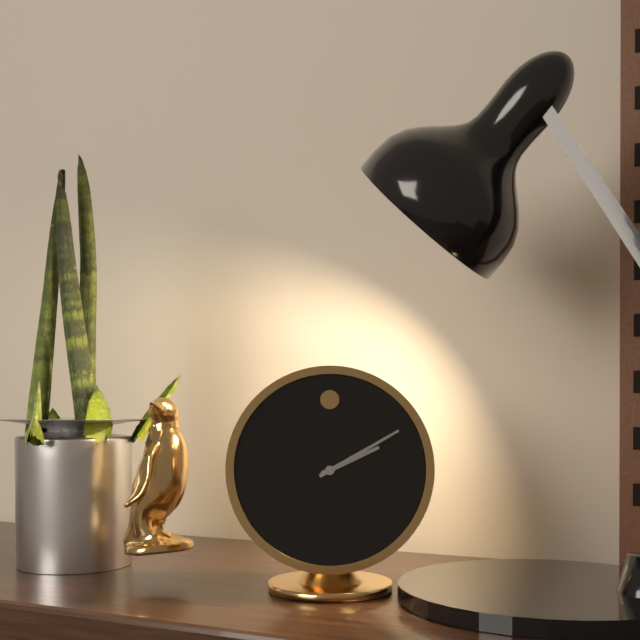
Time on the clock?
2:10
